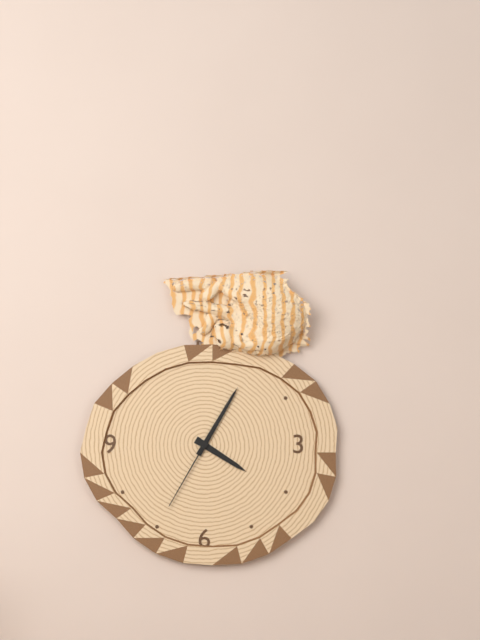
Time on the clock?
4:05:35
